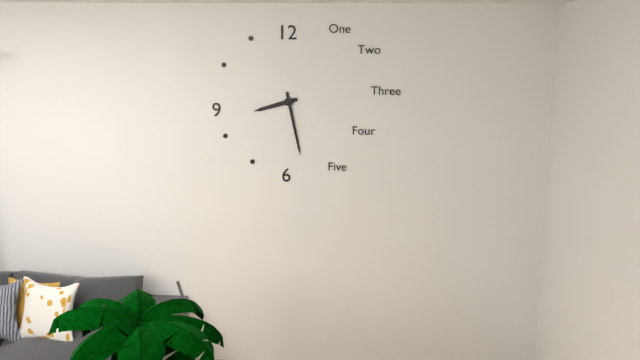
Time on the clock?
8:28
